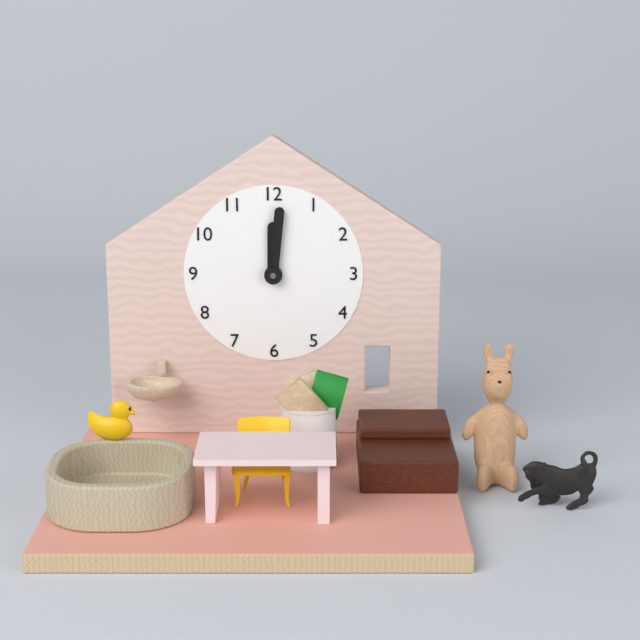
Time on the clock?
12:01
